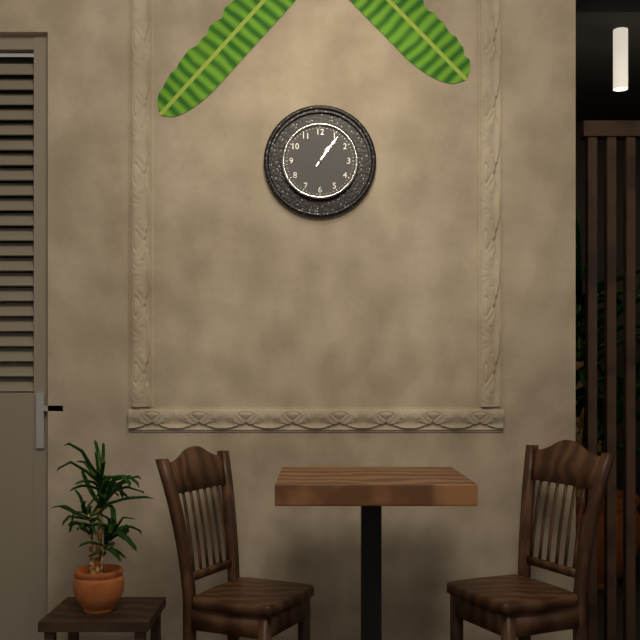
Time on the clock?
1:06
